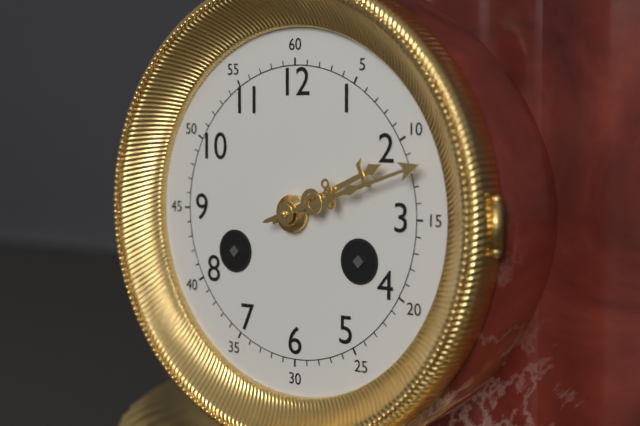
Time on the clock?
2:12
